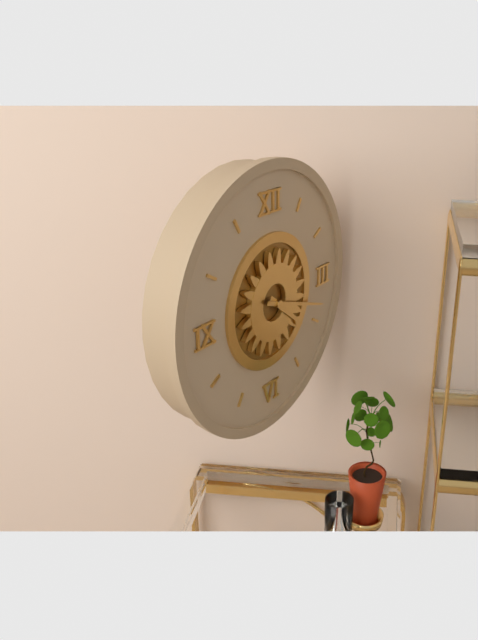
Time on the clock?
4:18
